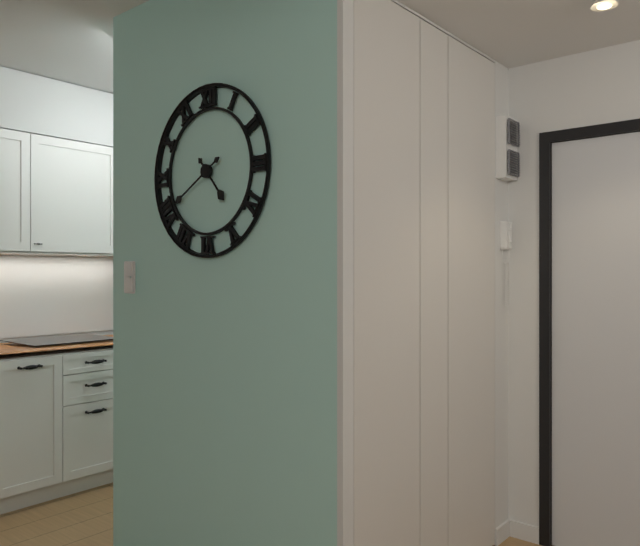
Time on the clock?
4:40
